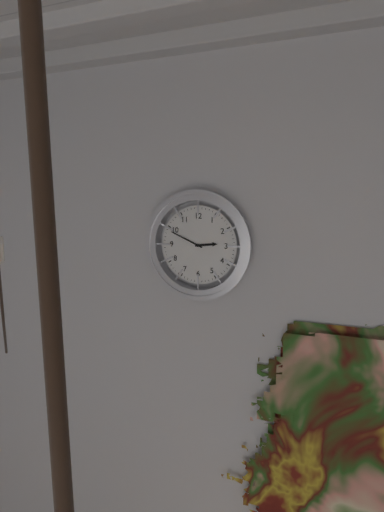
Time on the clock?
2:49
